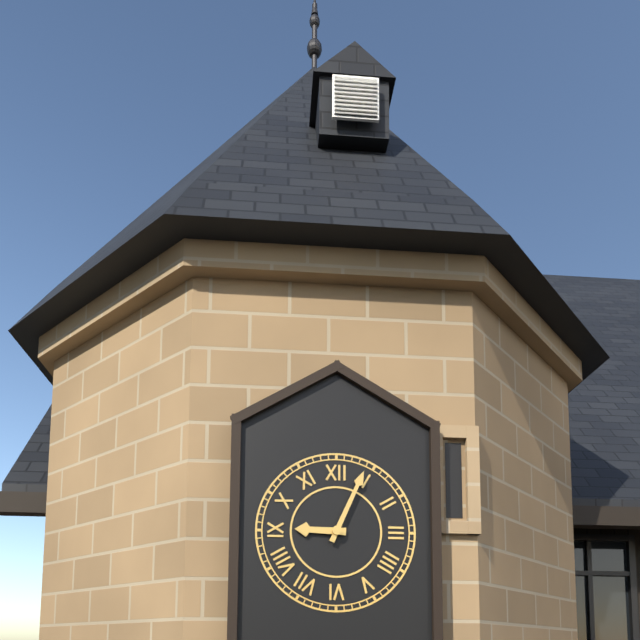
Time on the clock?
9:04
